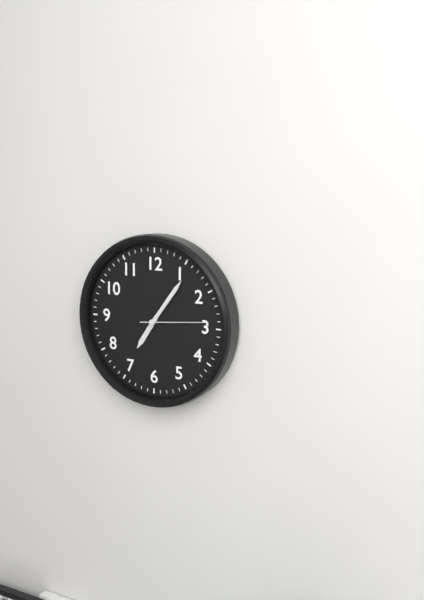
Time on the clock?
7:06:14
